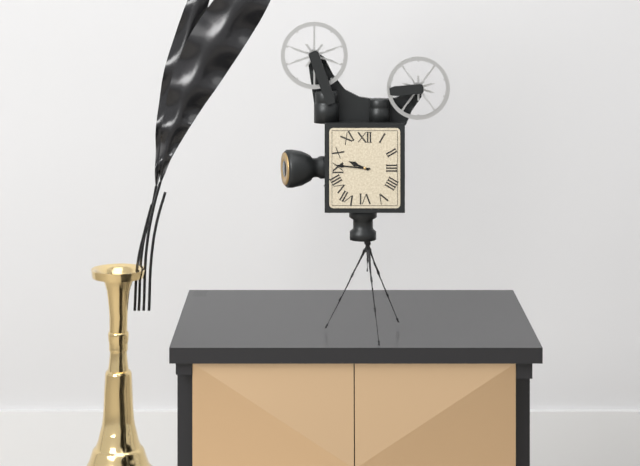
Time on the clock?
9:46
